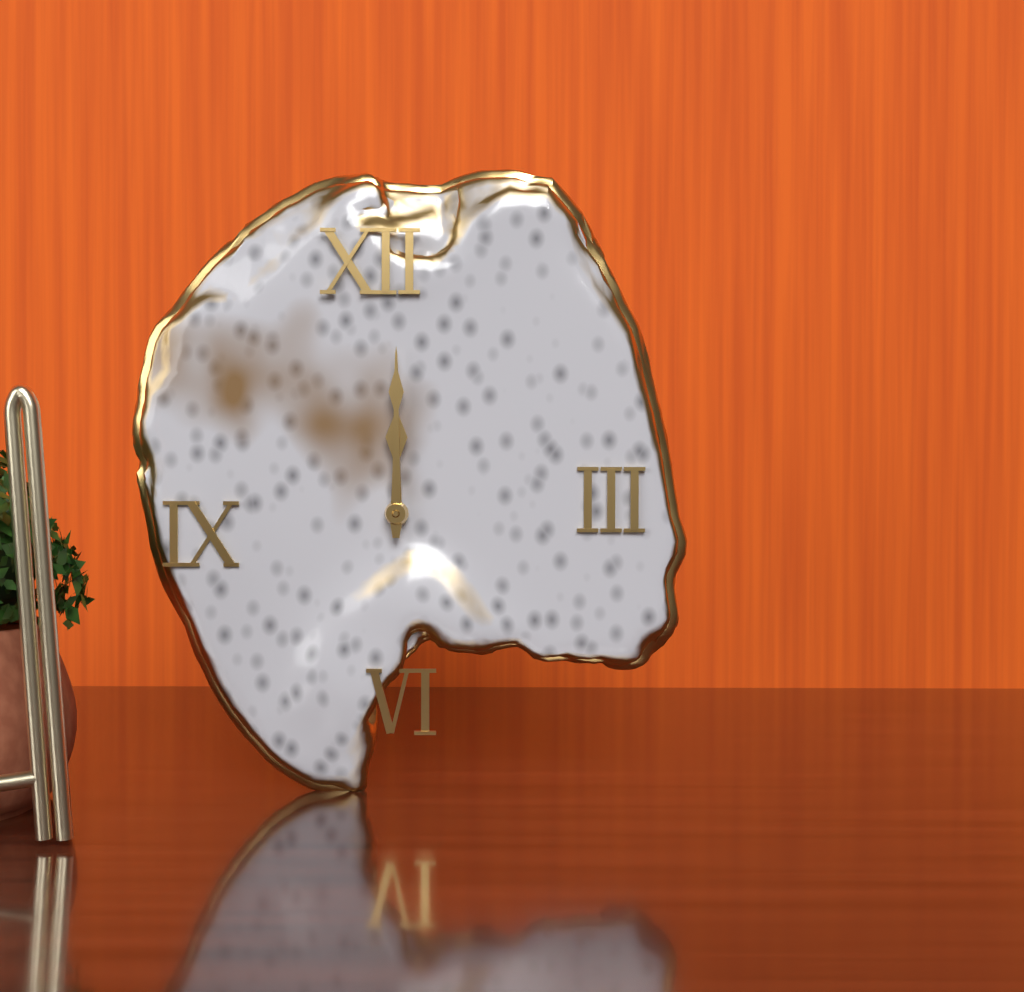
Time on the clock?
12:00
